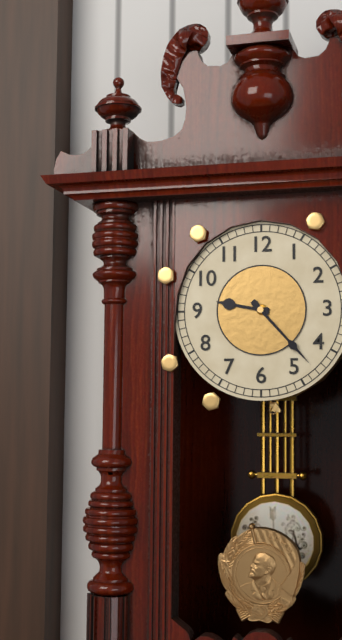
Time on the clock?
9:23
